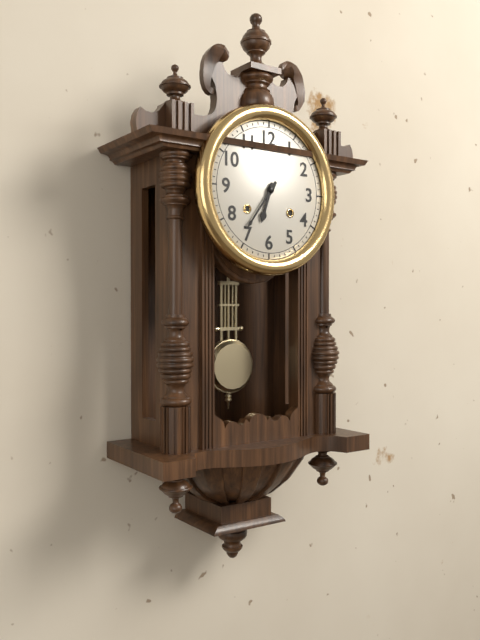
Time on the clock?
6:36
